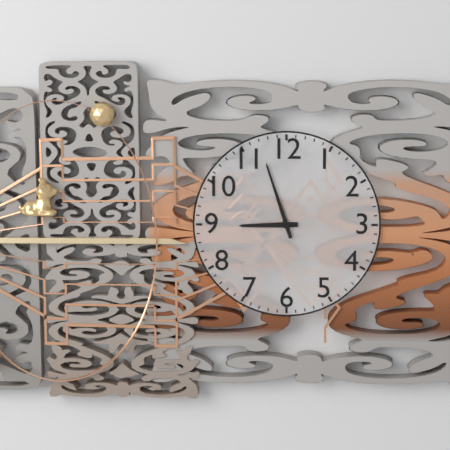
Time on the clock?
8:57
